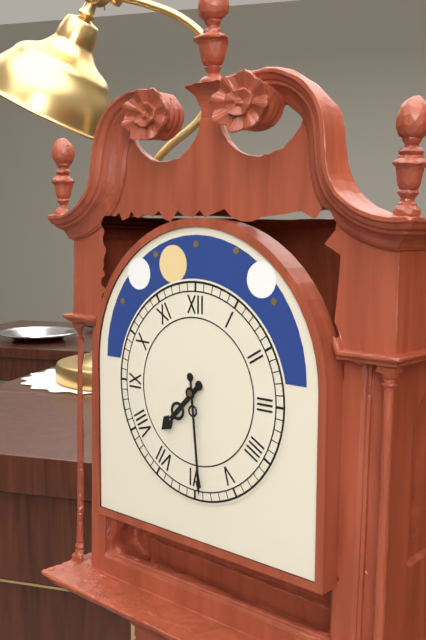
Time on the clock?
7:29
